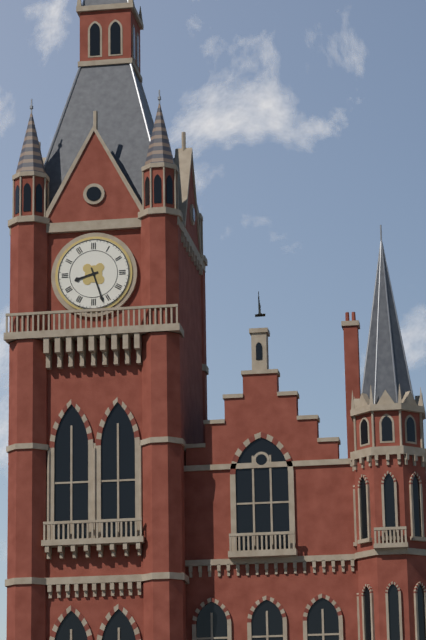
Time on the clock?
8:27
